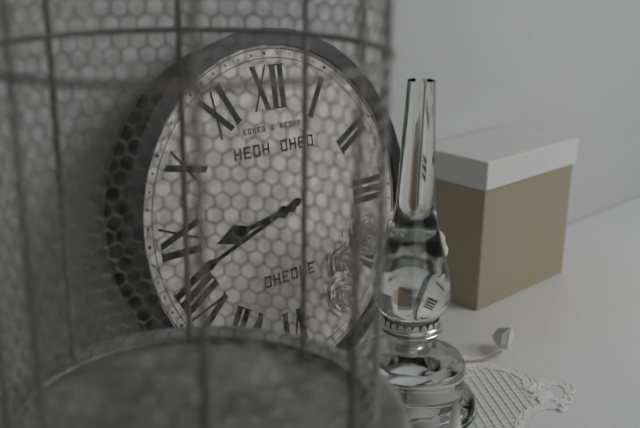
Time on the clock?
8:42
